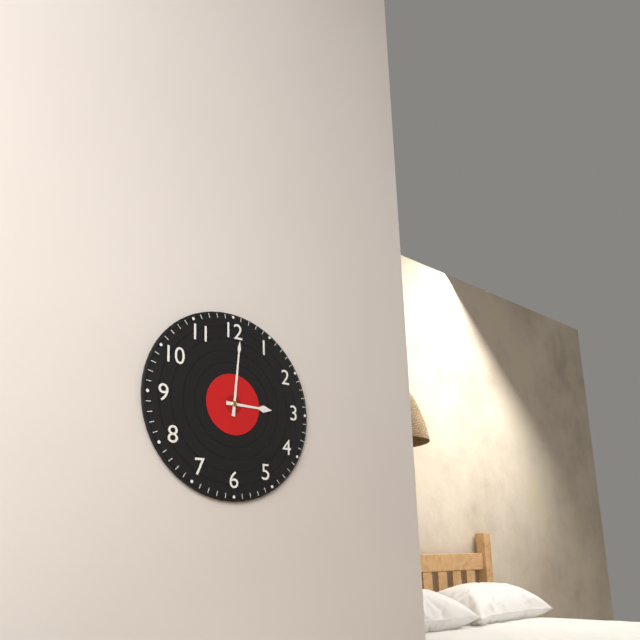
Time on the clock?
3:01
